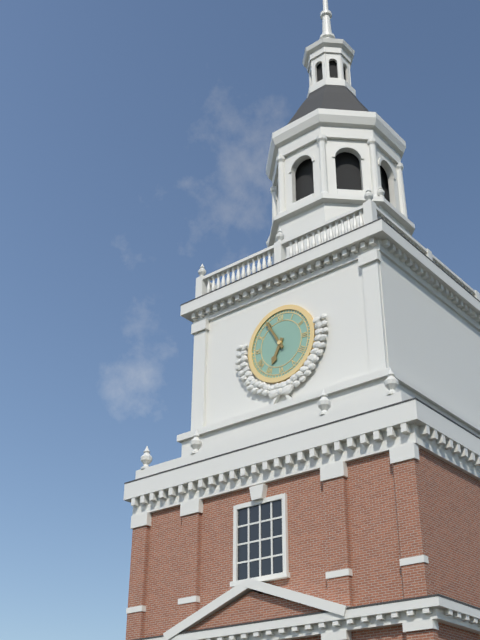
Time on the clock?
6:55
